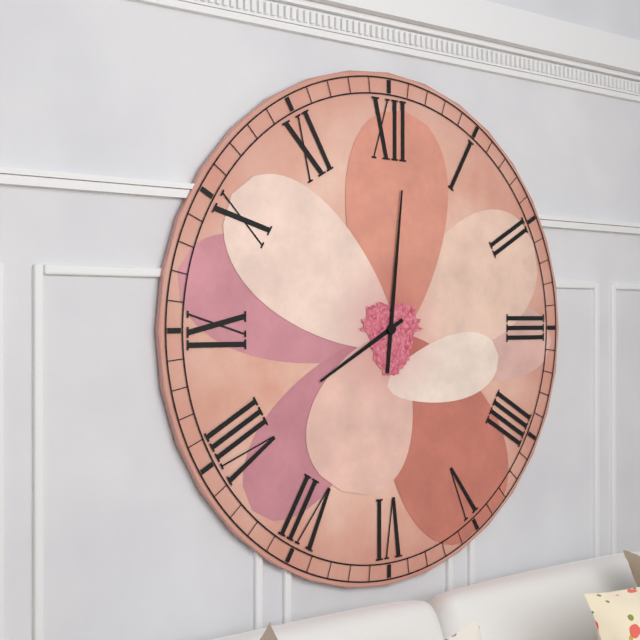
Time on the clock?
8:01
